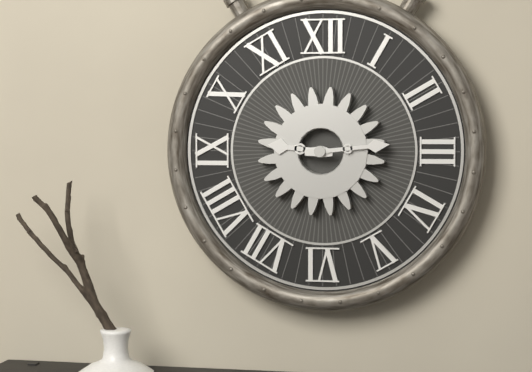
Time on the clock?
9:14
